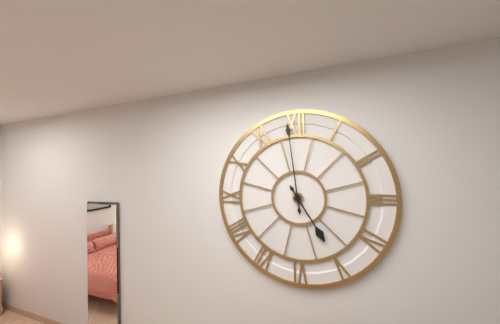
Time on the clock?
4:59
